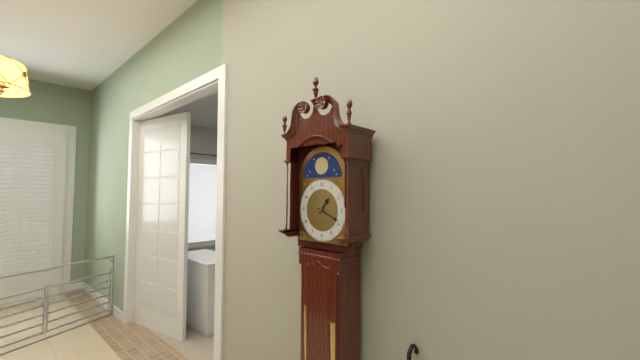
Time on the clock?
1:19
